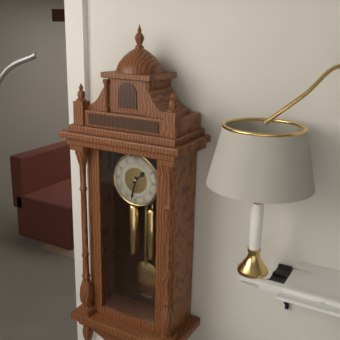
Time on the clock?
1:32
